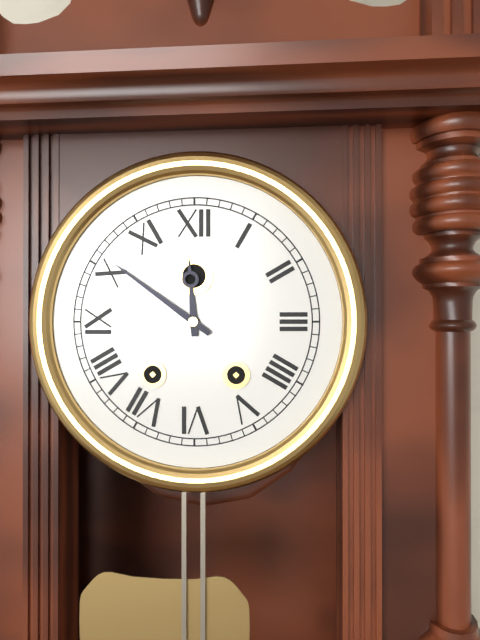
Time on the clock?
11:51
